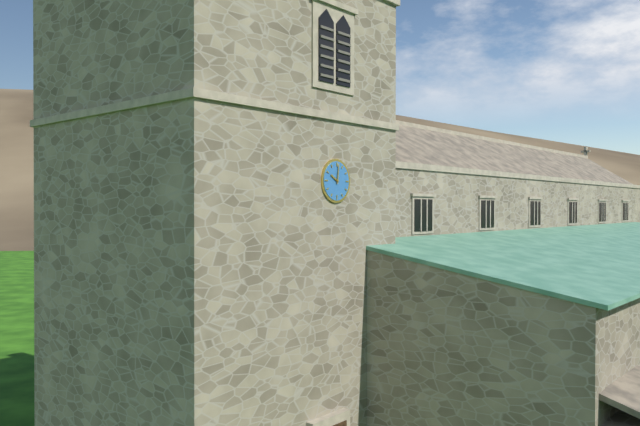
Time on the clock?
10:01
